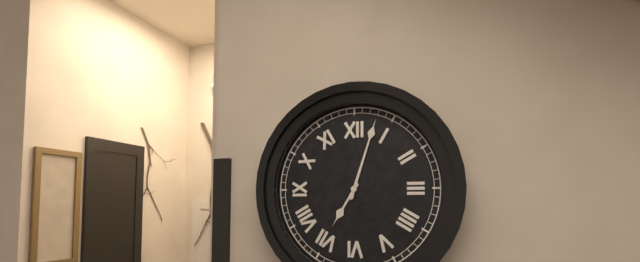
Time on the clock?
7:03
